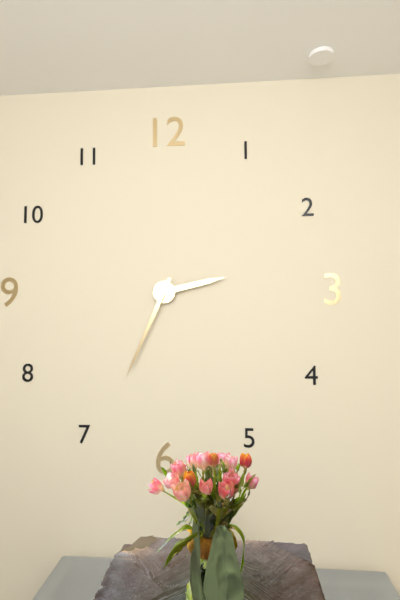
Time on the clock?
2:34
